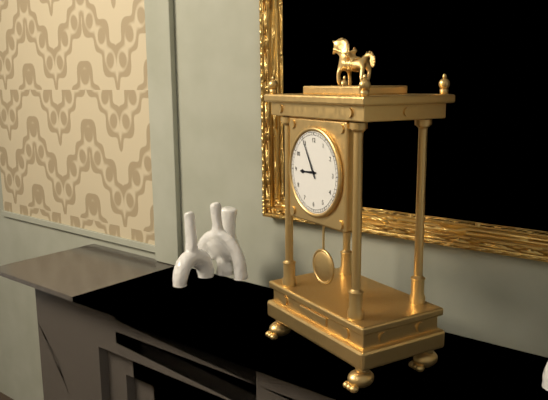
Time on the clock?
8:55
